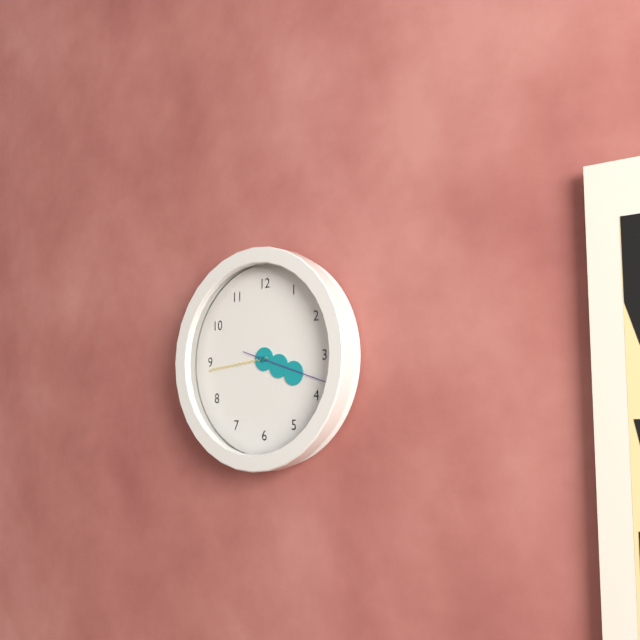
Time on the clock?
3:44:18
